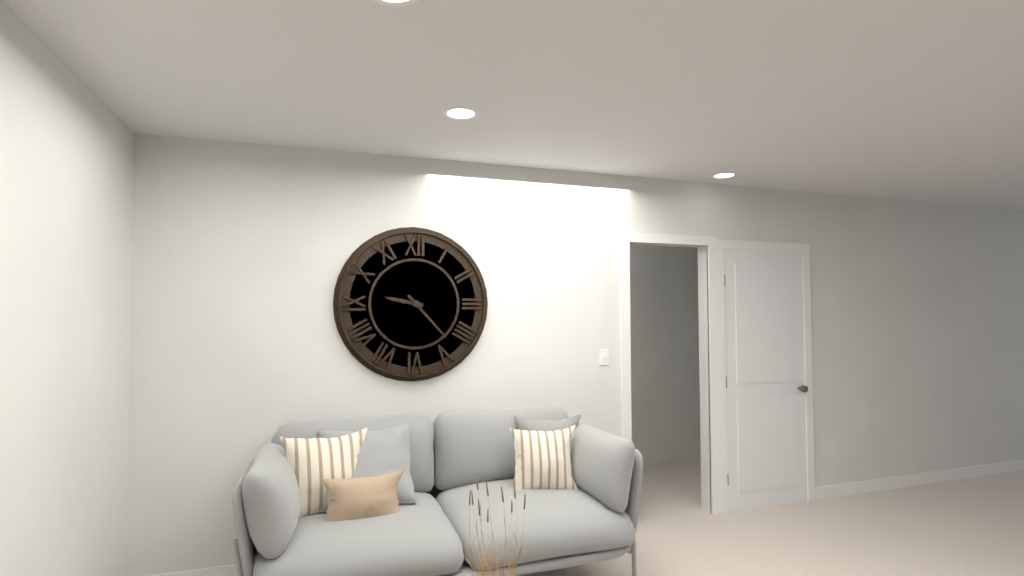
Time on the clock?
9:23
